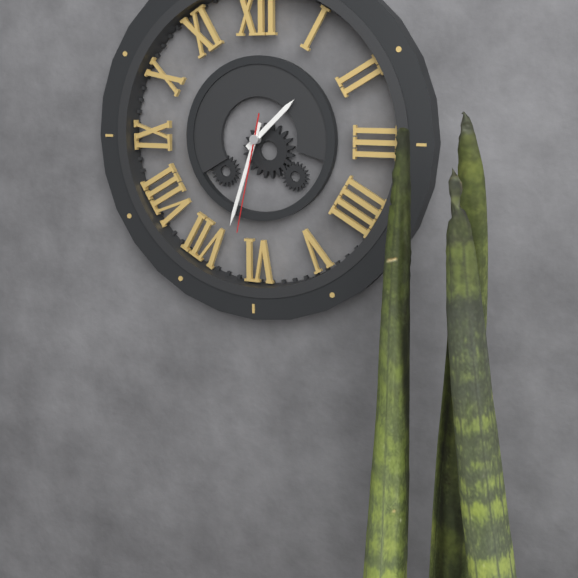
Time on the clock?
1:33:32
